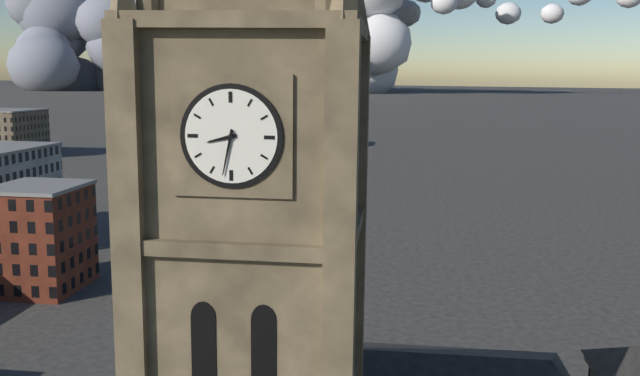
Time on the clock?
8:32
